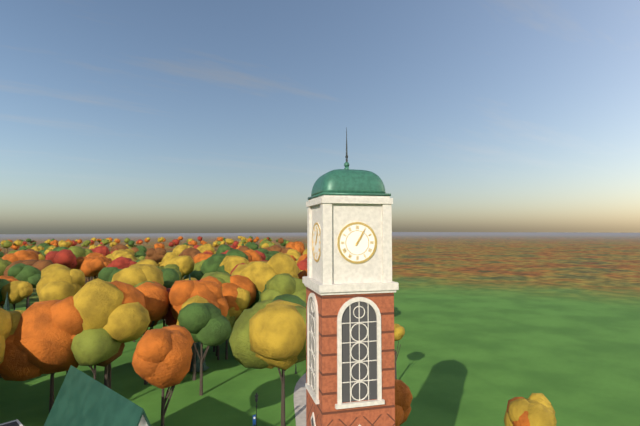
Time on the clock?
1:05
